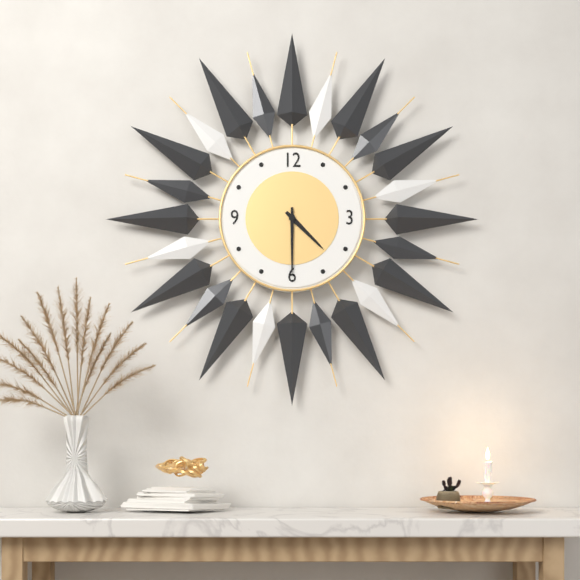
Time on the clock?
4:30
